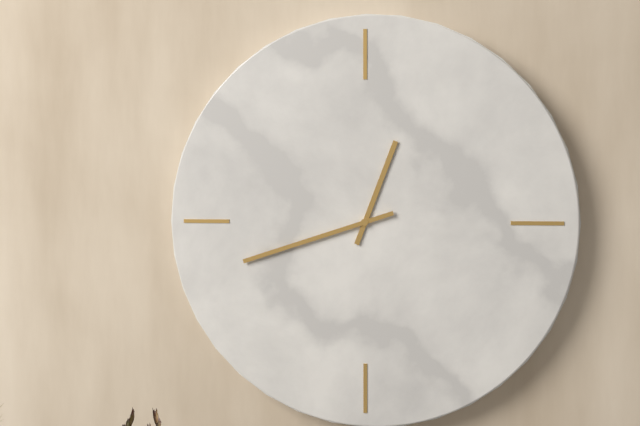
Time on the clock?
12:42
